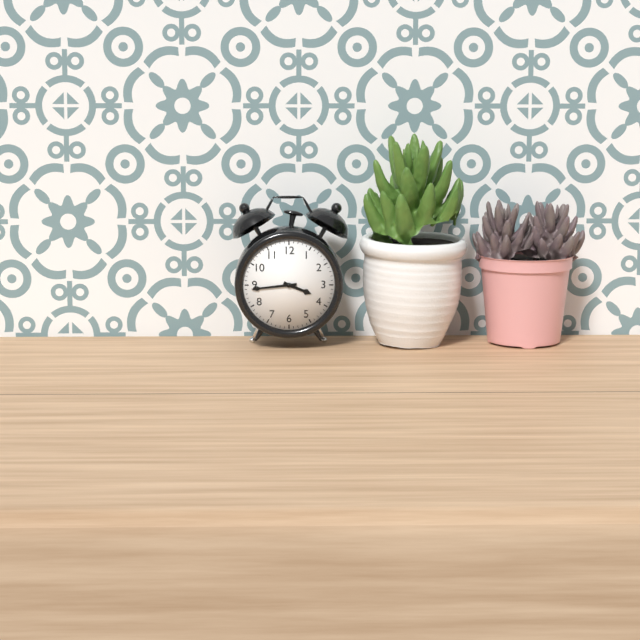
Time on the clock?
3:44
